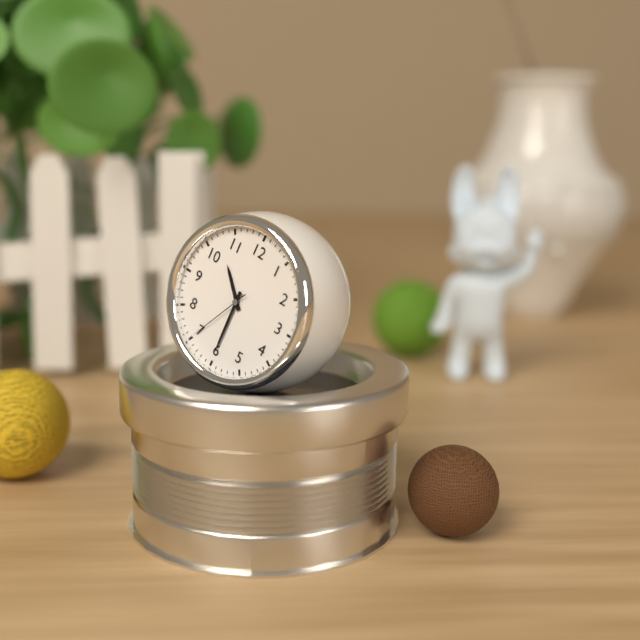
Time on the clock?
10:30:35
